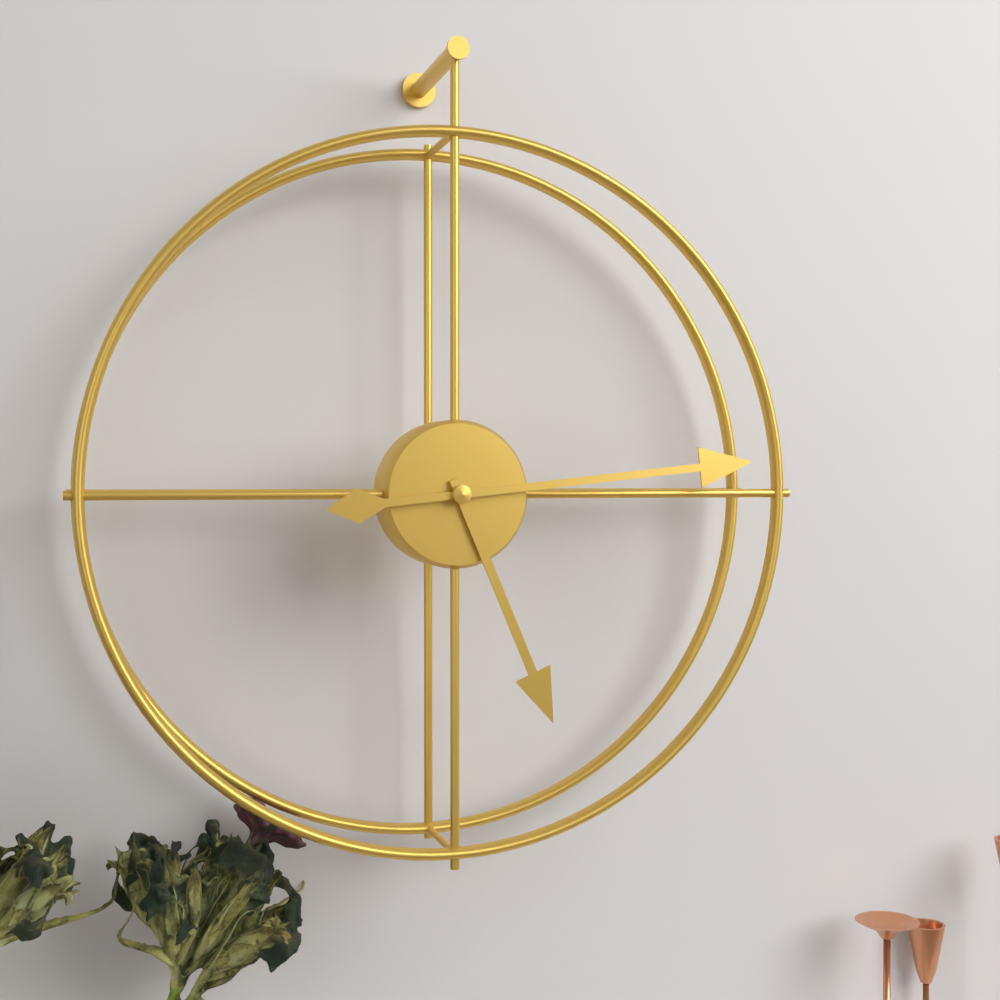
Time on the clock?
5:14
